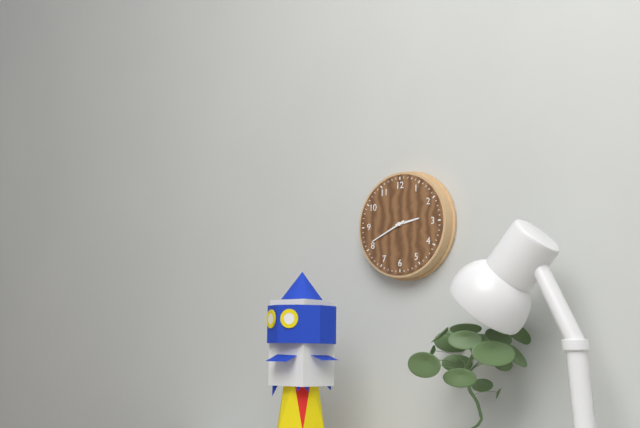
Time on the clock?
2:41
